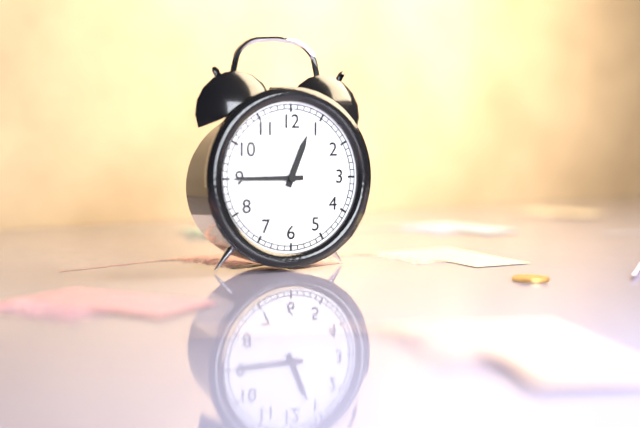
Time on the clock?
12:45
